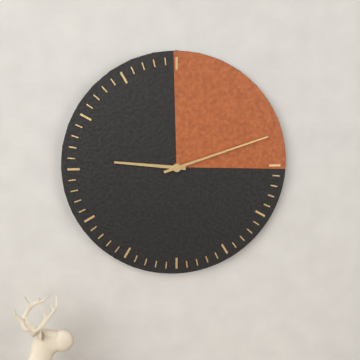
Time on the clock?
9:12
